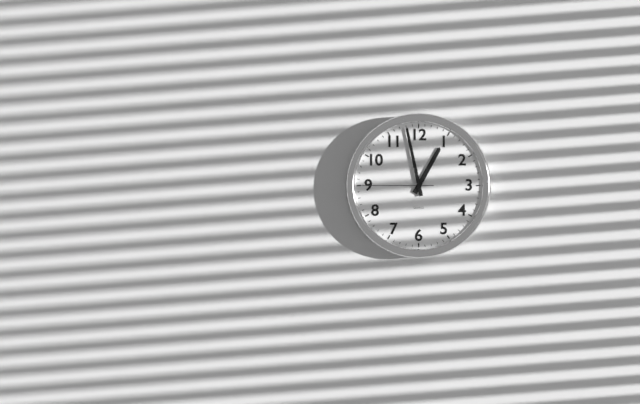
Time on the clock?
12:58:45
